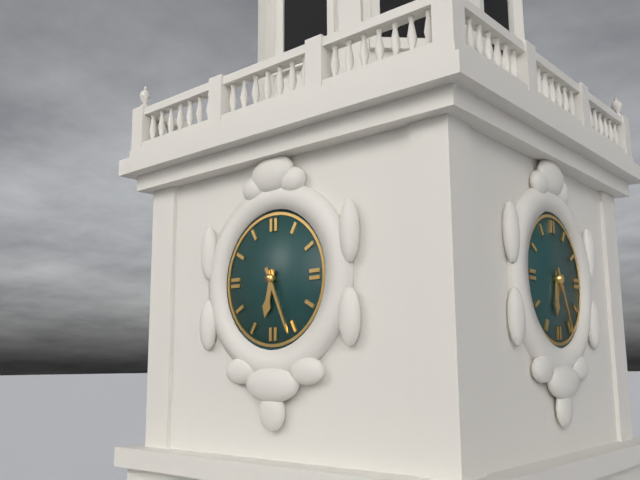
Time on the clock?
6:26
